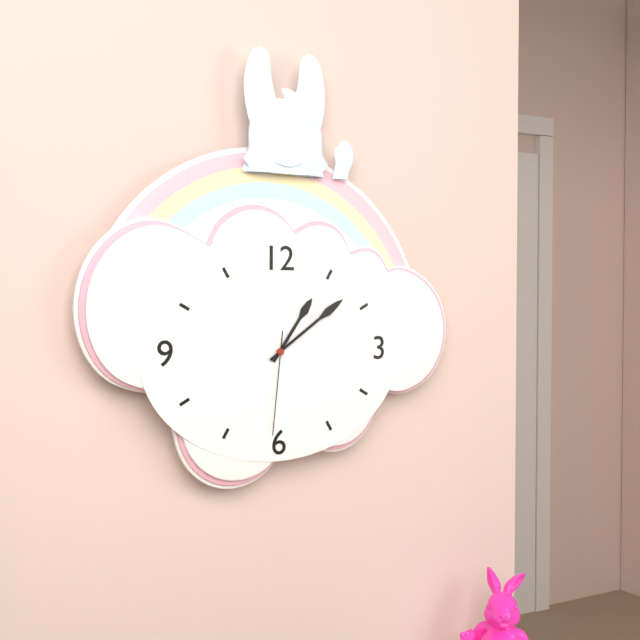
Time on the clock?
1:09:31
